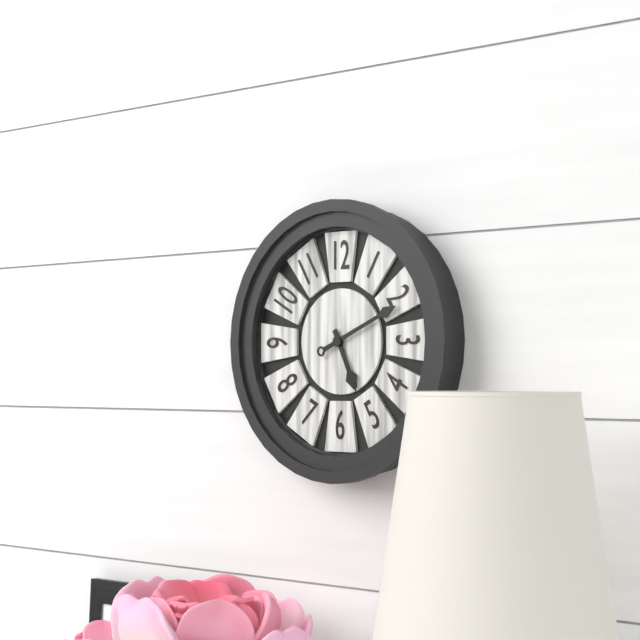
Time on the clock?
5:11
